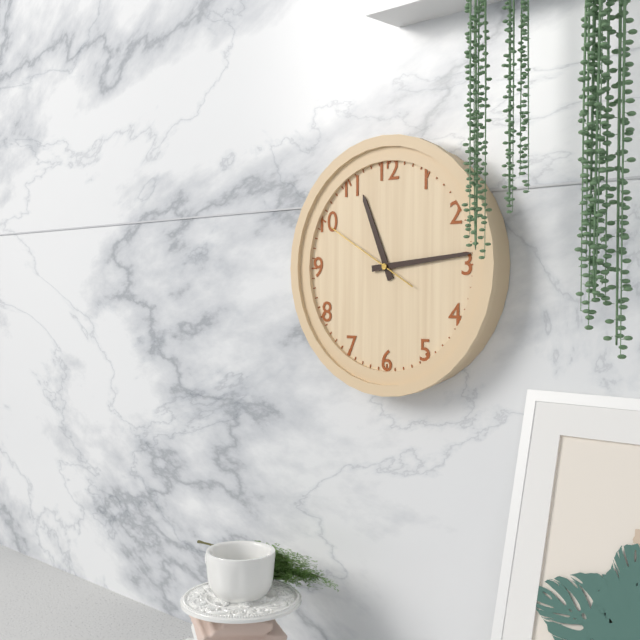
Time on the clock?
11:14:50
